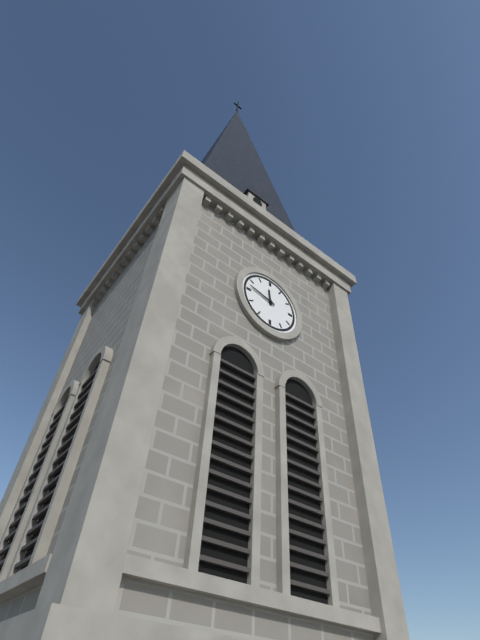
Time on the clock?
11:47
